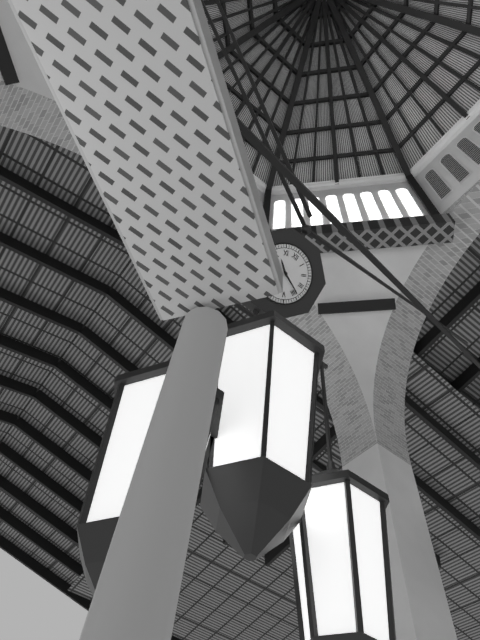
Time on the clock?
10:19
